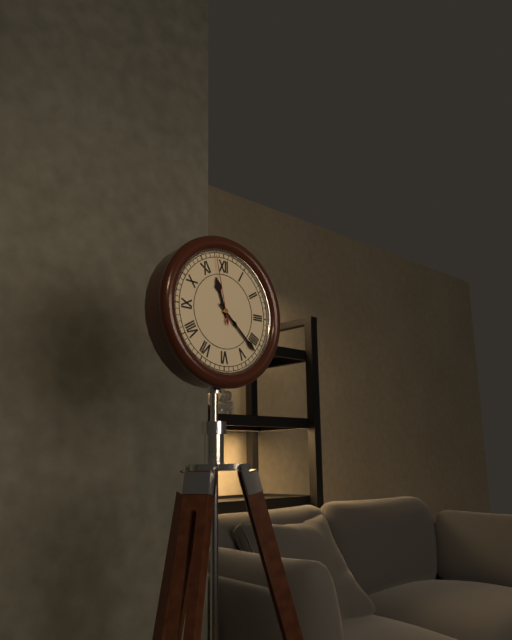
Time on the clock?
11:22:58
